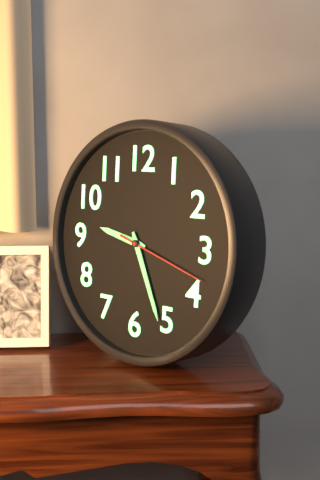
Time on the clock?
9:26:18
